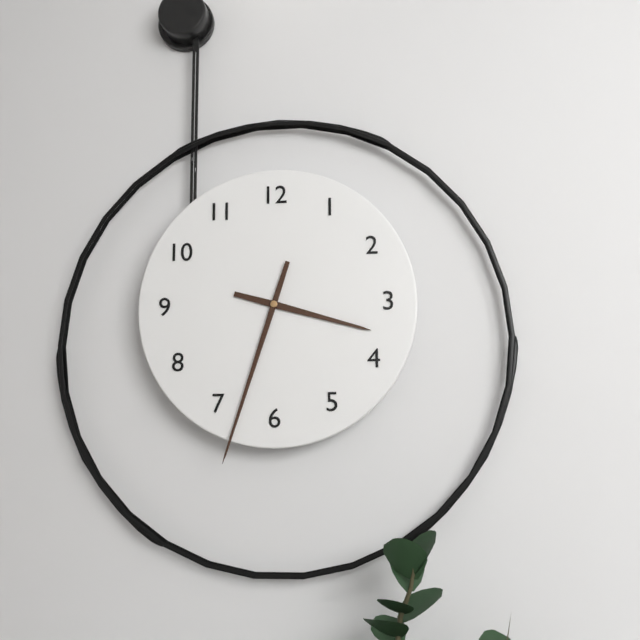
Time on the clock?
3:33
